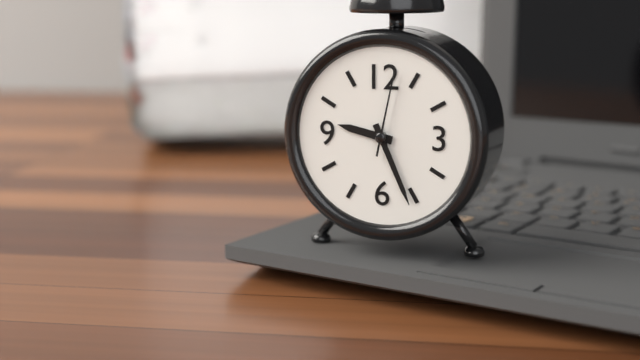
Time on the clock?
9:26:02
